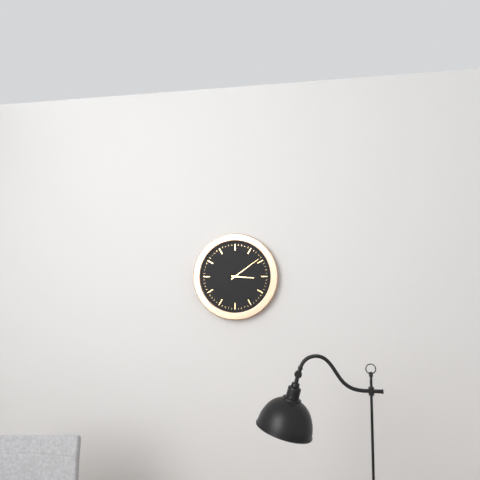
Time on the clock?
3:09
